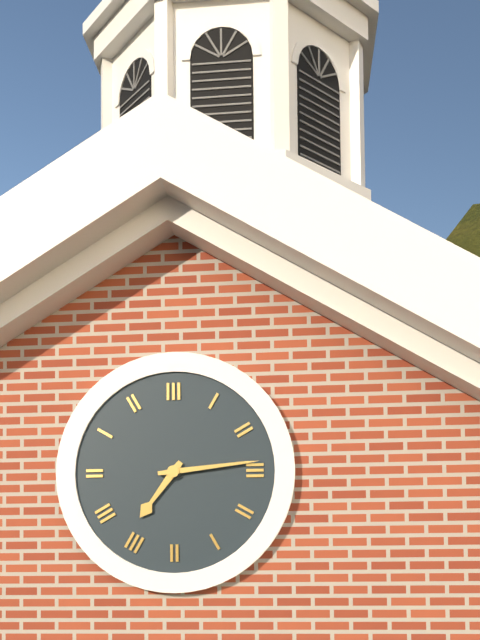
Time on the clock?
7:14
